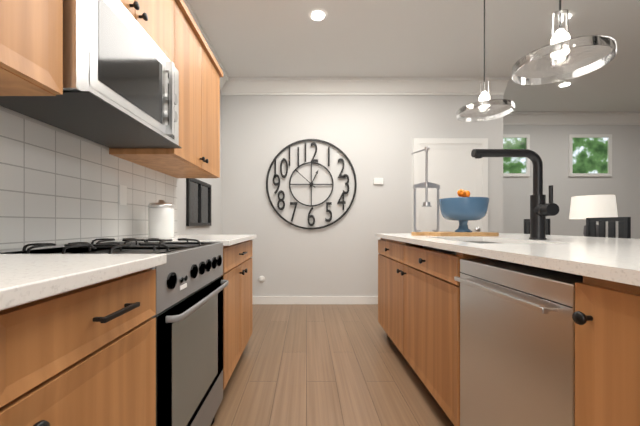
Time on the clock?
12:52
